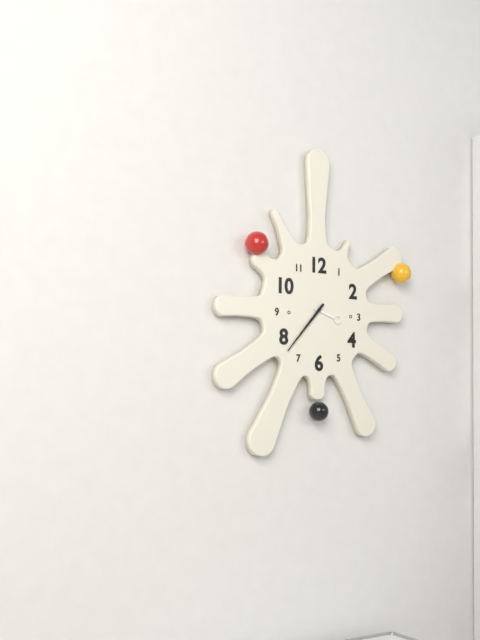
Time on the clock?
3:37
